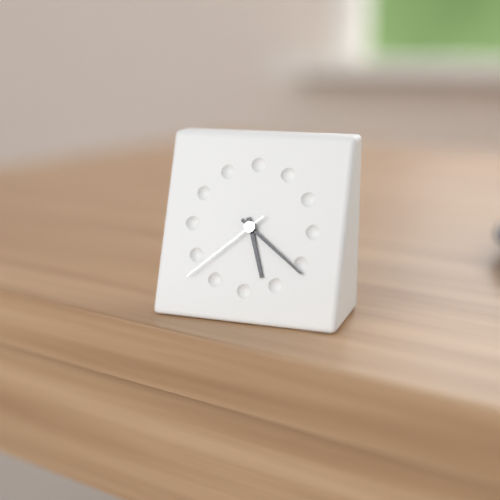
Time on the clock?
5:21:38
